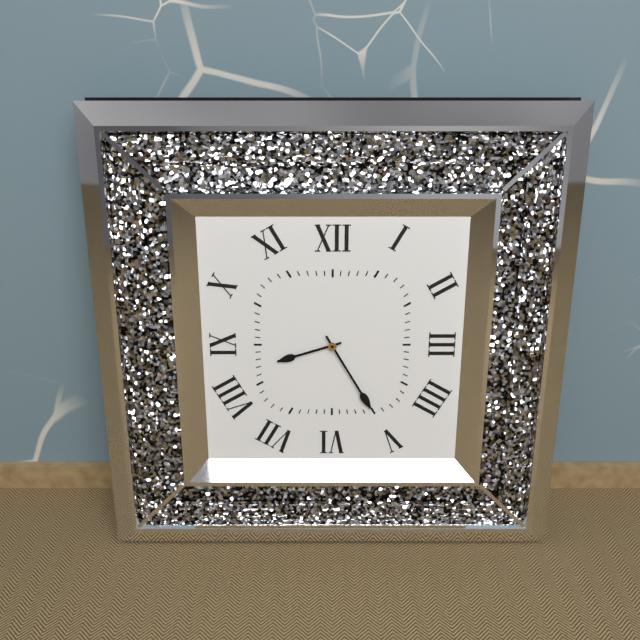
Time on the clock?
8:25
